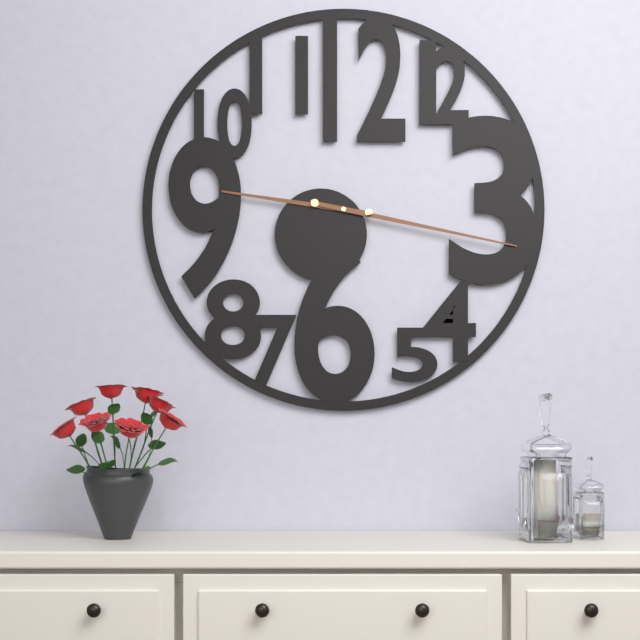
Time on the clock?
9:17
